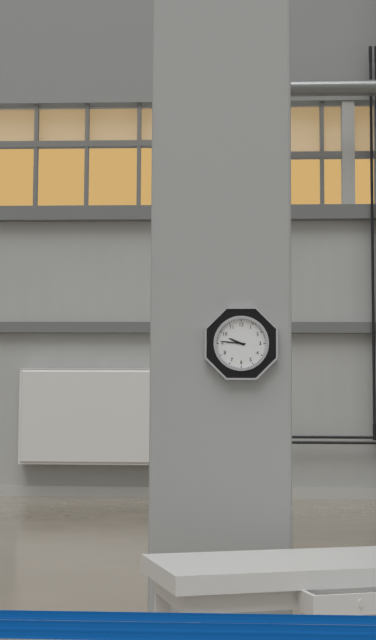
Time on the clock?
9:46
